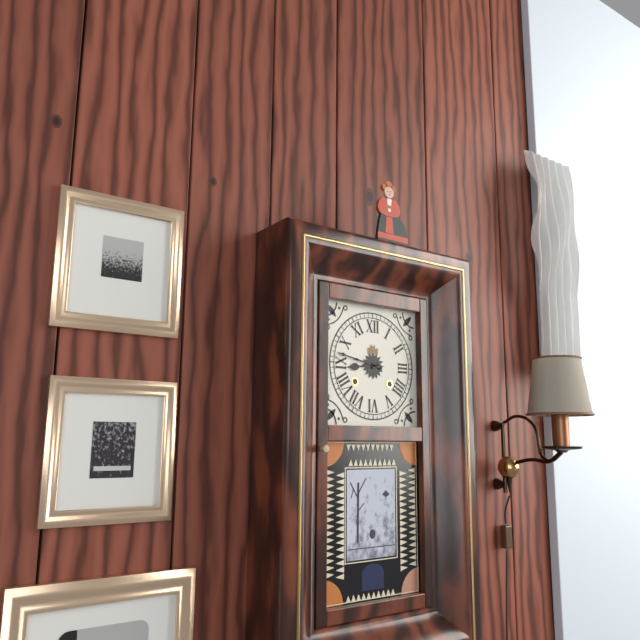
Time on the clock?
8:47
